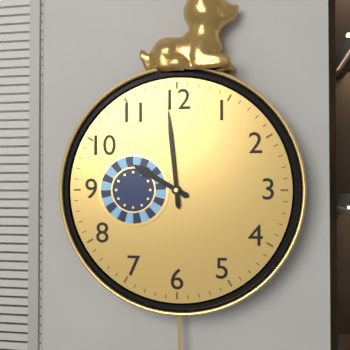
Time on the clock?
9:59
